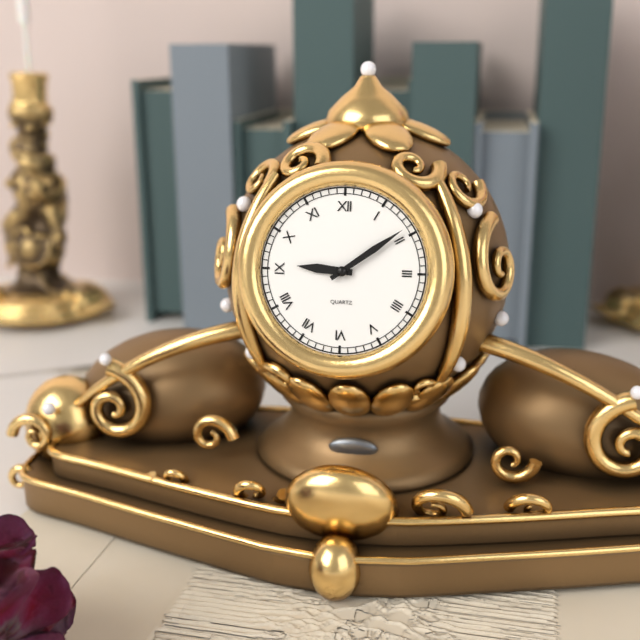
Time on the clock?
9:09
